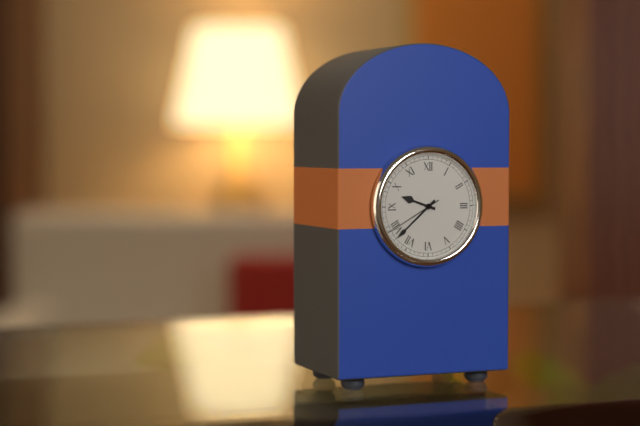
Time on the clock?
9:38:40
